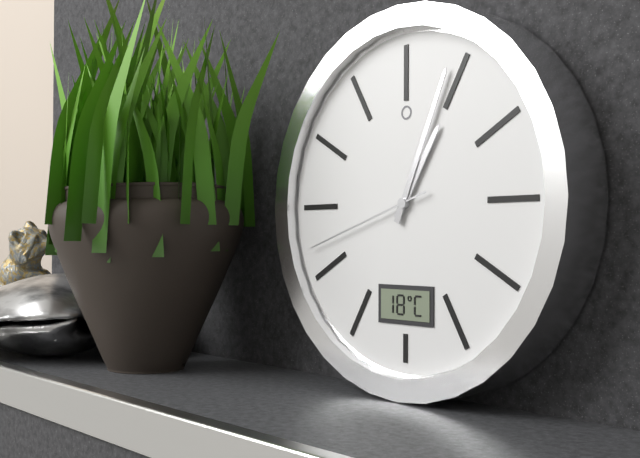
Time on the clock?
1:04:42
